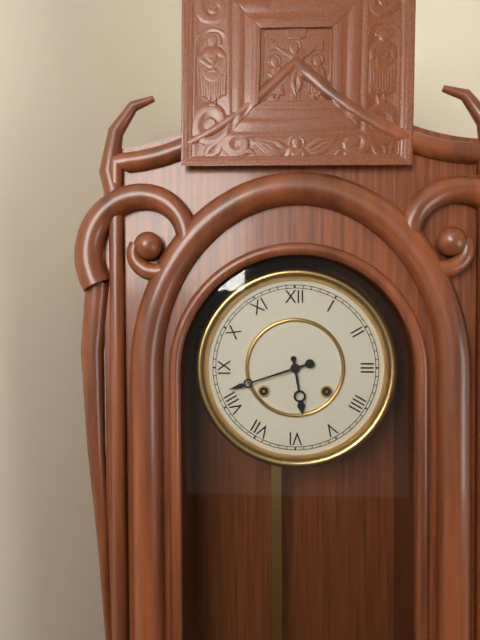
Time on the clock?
5:42
